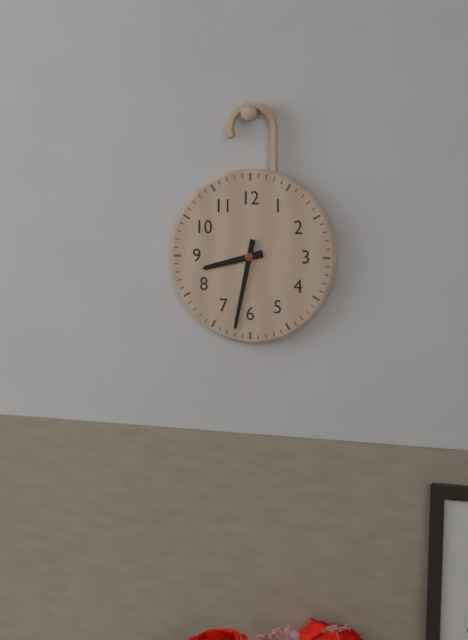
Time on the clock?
8:32
